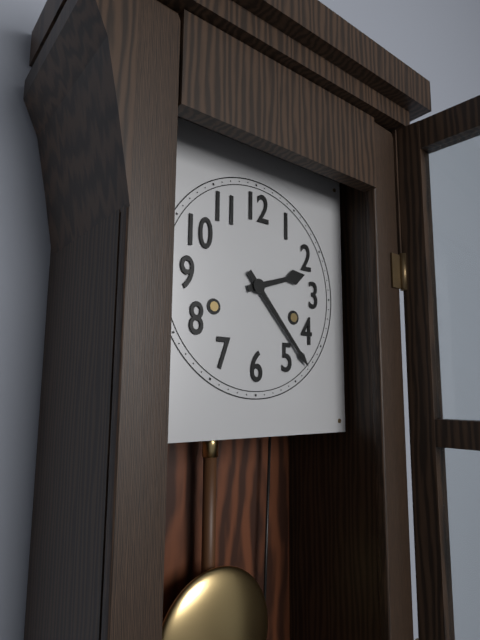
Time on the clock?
2:23
